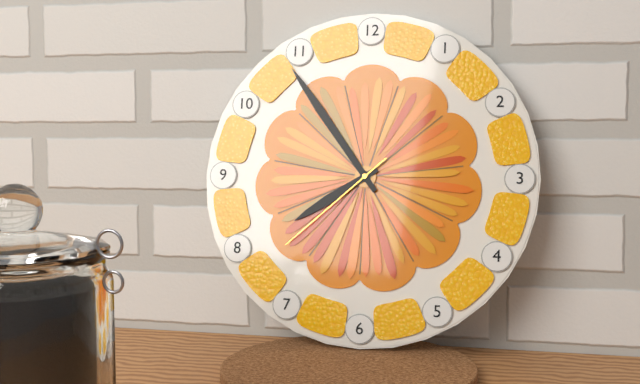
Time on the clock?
7:54:38
